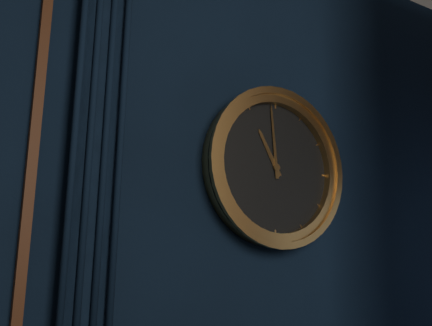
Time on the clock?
10:59
